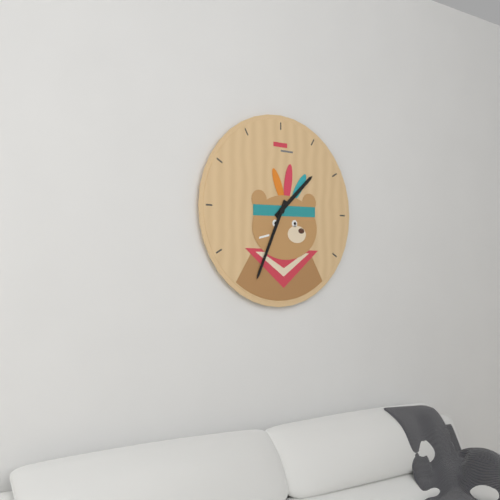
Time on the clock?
1:34
